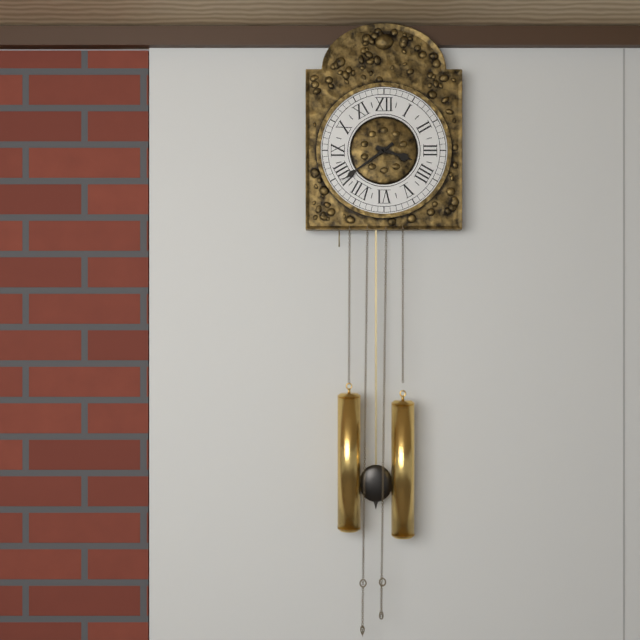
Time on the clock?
3:39
